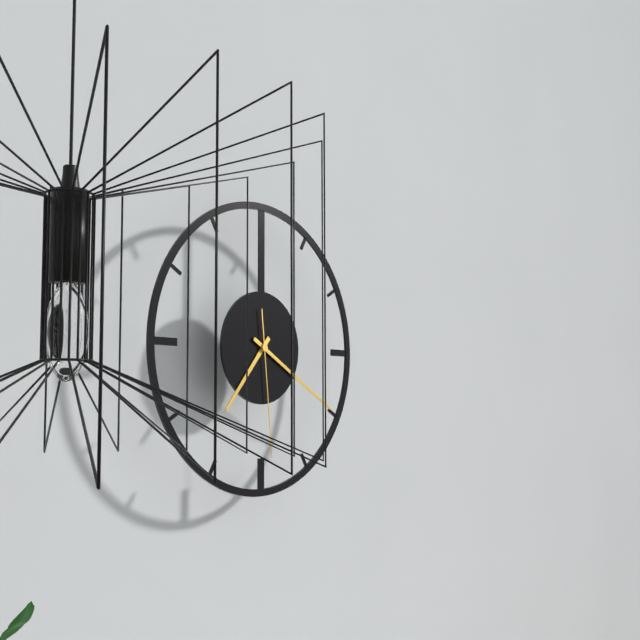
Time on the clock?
7:20:29
